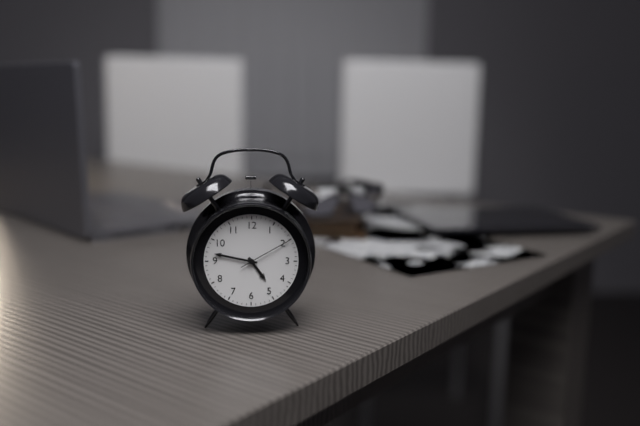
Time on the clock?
4:47:10
